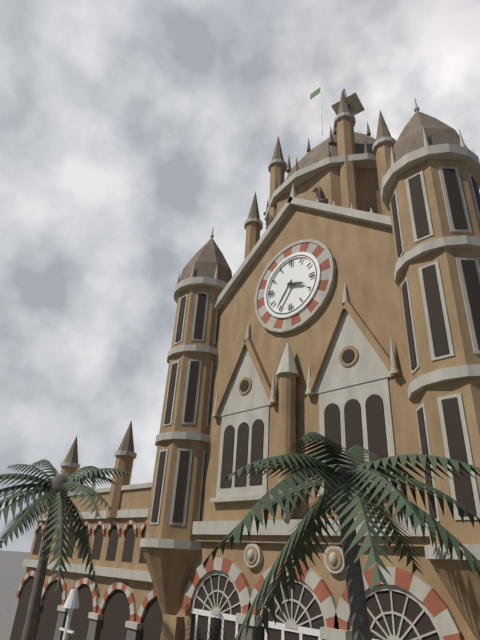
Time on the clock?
3:36
